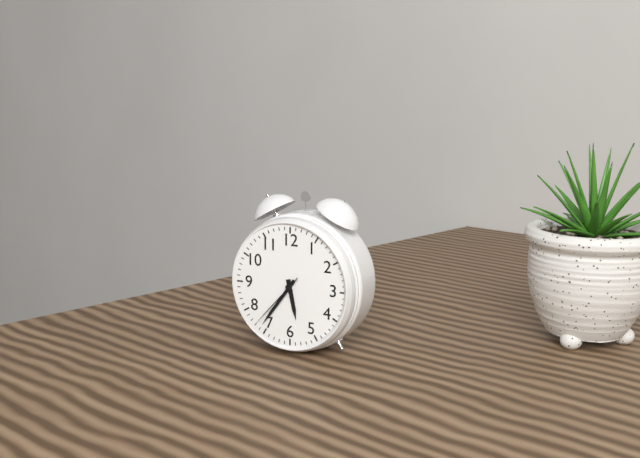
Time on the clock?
5:36:37
